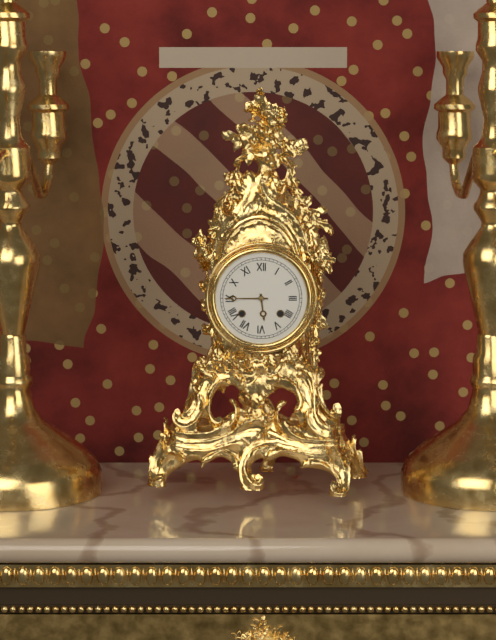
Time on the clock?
5:45
